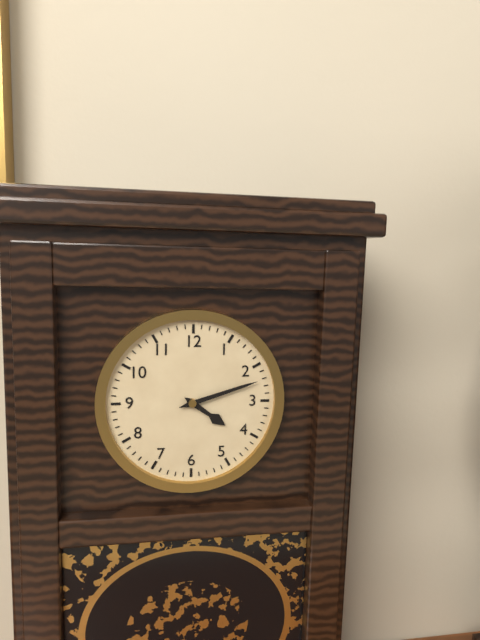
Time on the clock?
4:12
